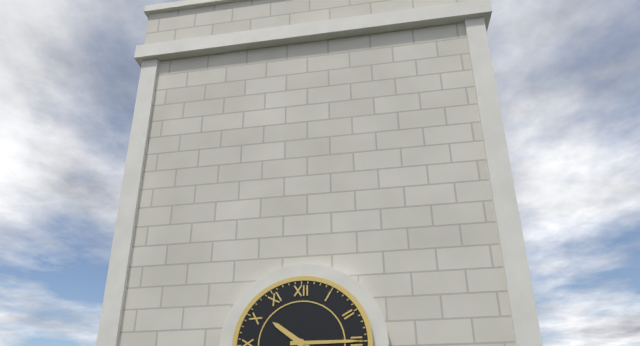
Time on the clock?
10:15
